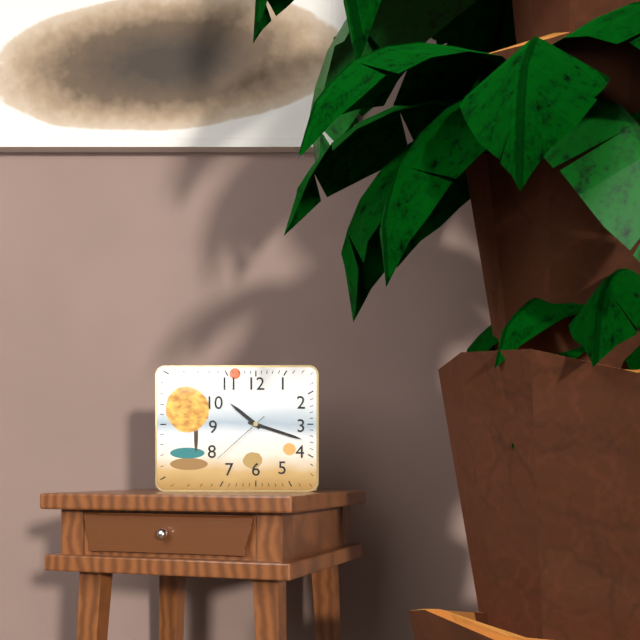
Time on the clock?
10:18:38
